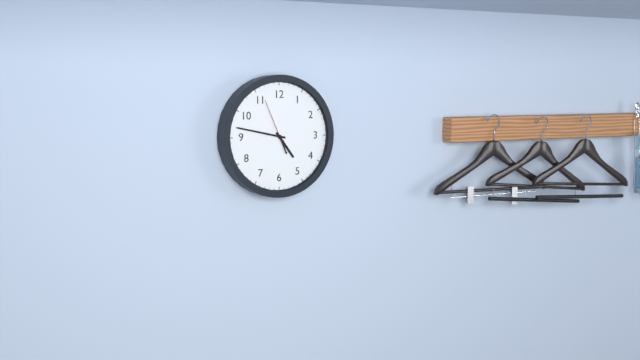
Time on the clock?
4:47
